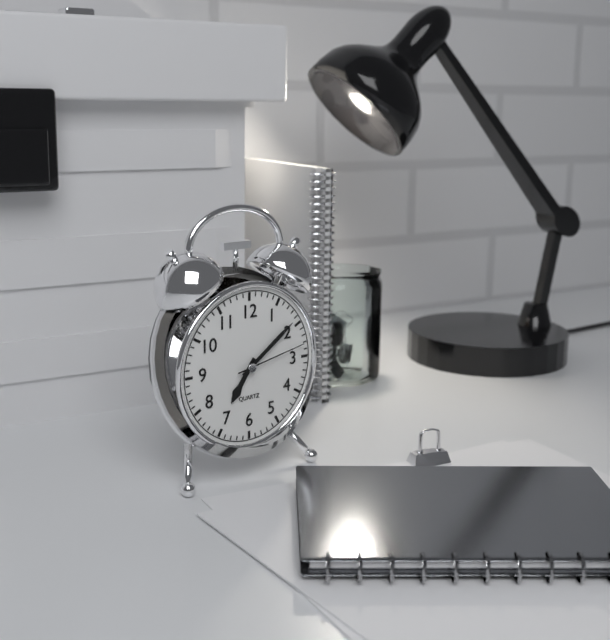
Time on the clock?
7:09:13
